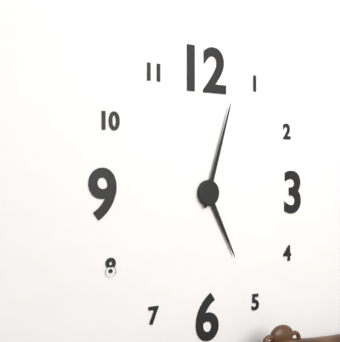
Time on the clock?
5:03
